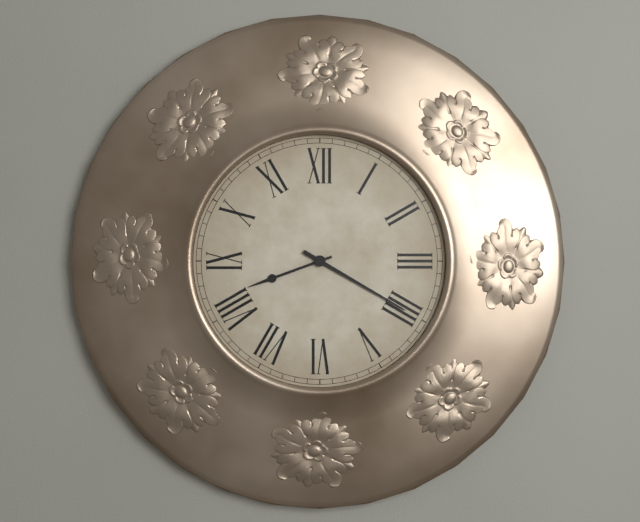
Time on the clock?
8:20
